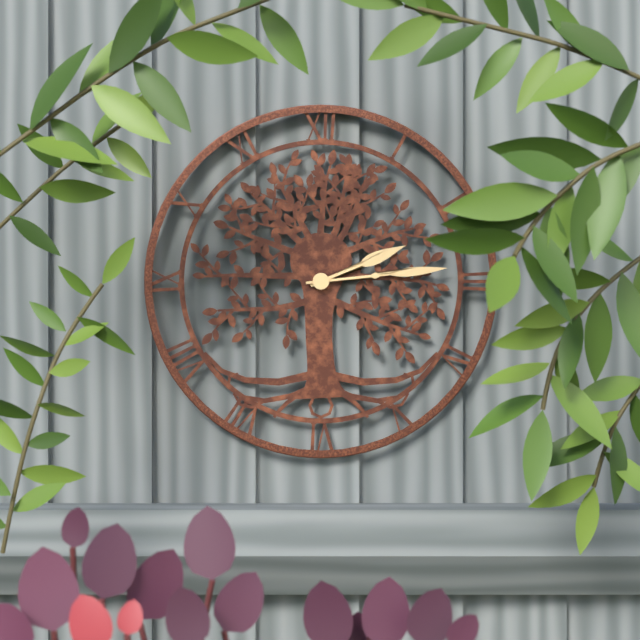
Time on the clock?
2:14
